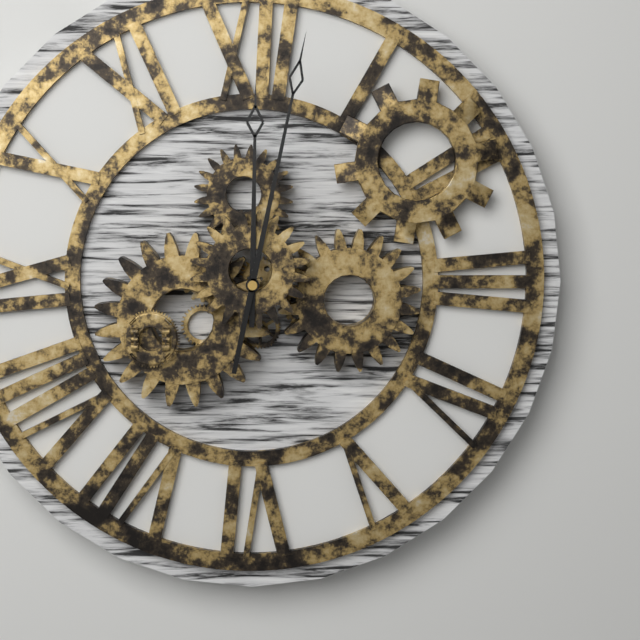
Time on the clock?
12:02
